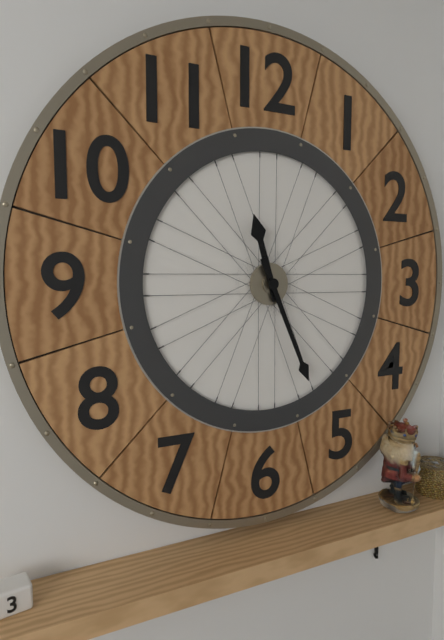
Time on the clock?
11:26
